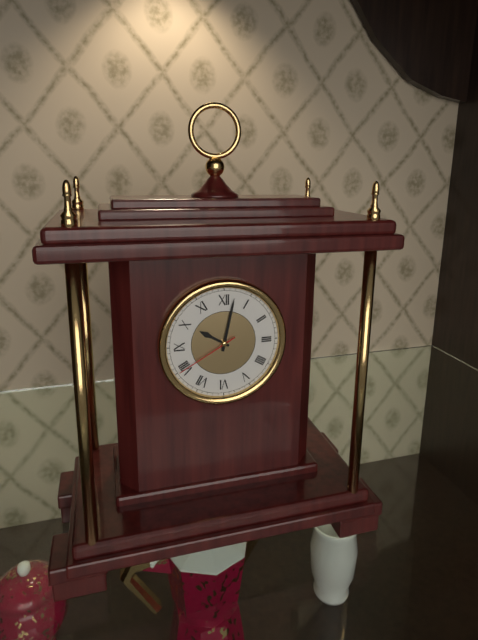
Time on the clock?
10:02:40
